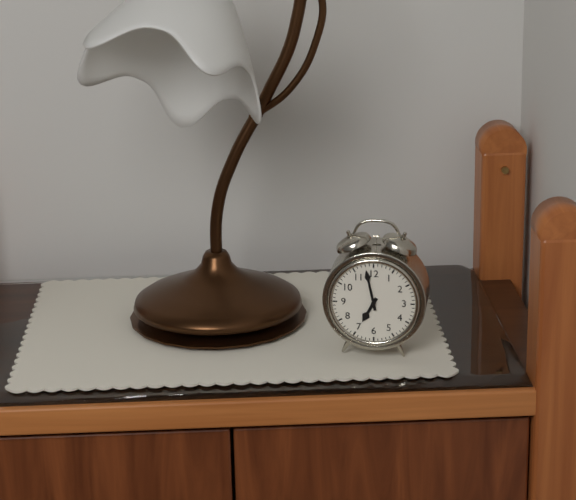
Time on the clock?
6:58
